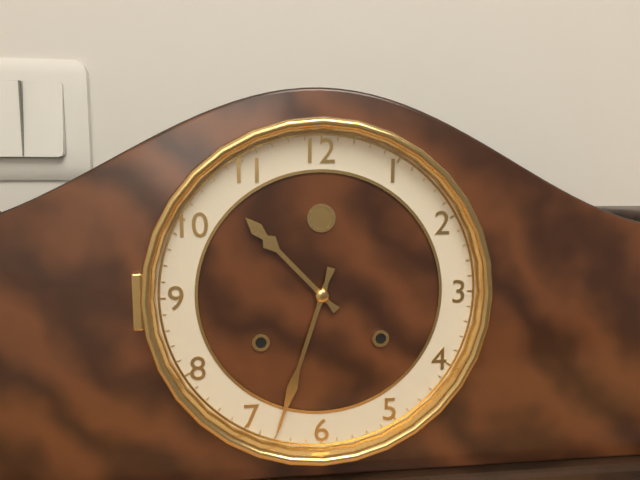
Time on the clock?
10:33
